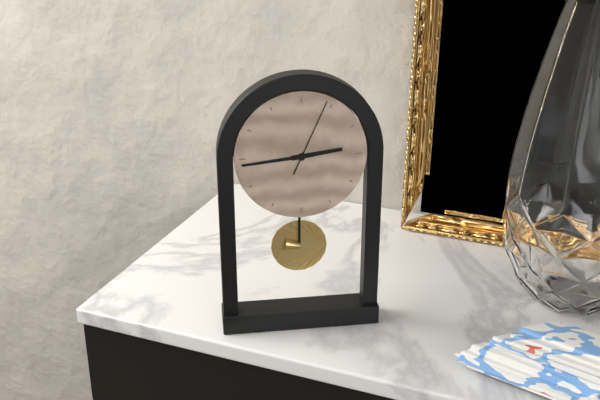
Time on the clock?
2:44:04
